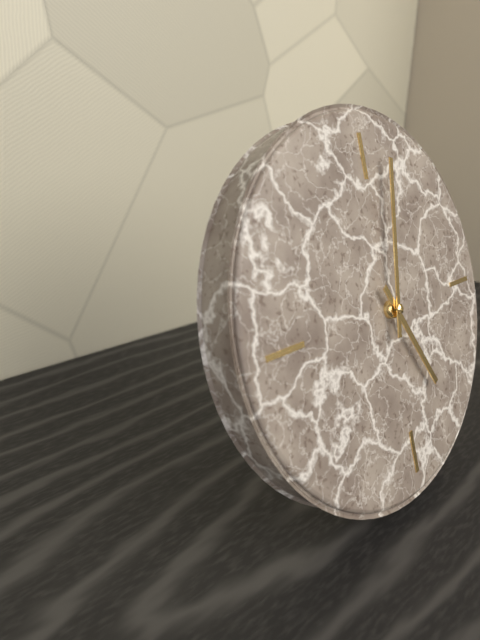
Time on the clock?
5:02
